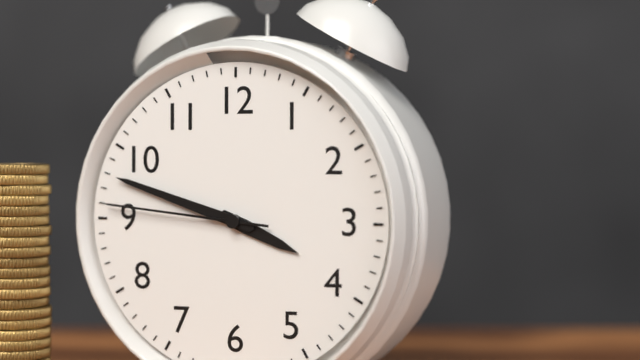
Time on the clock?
3:48:46
